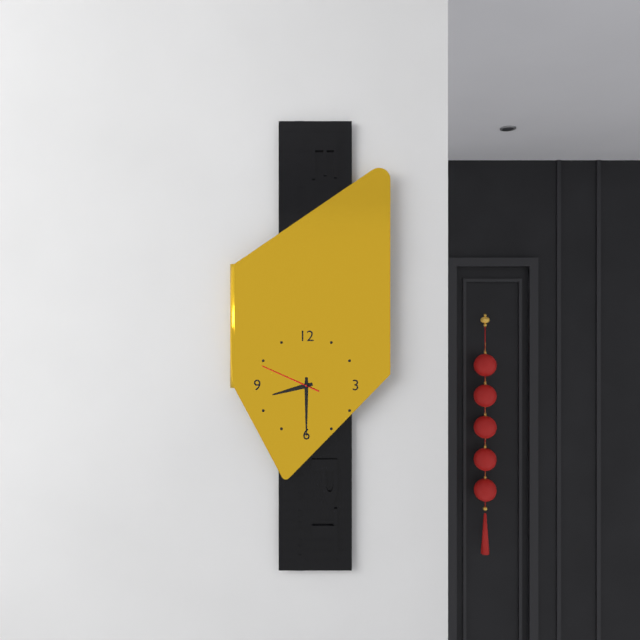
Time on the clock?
8:30:49
